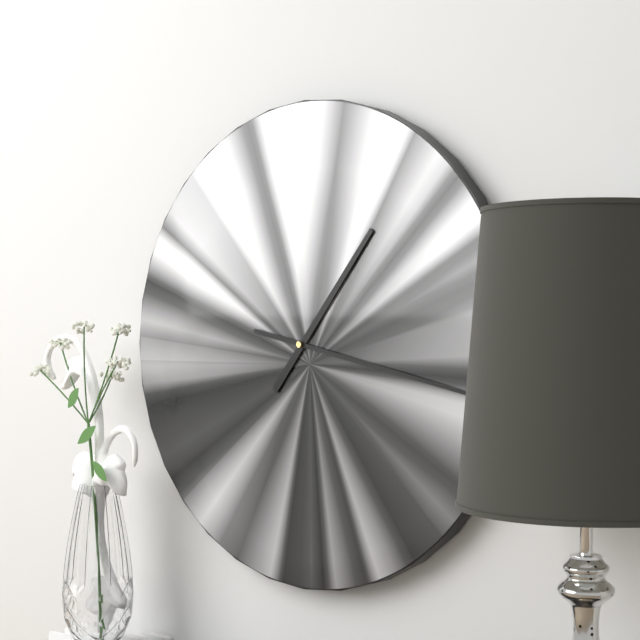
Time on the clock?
1:17
